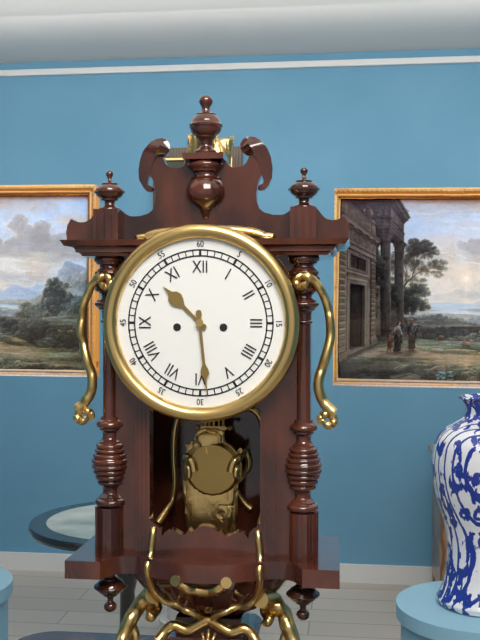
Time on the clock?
10:29
